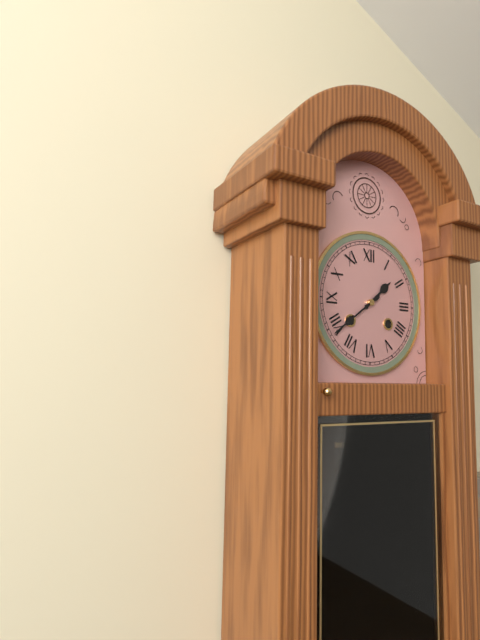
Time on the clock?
1:39
